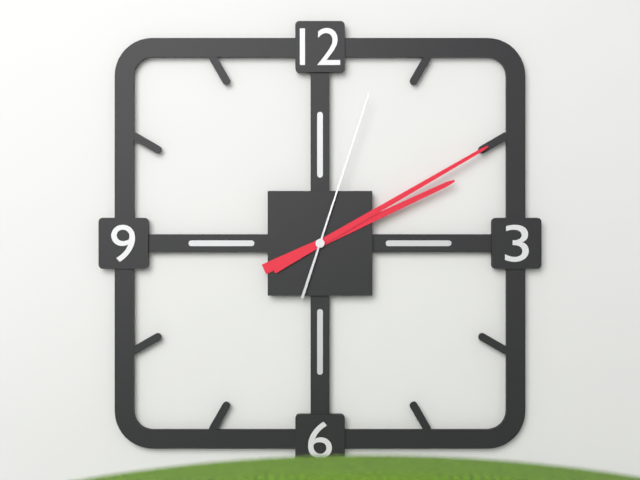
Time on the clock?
2:10:03
